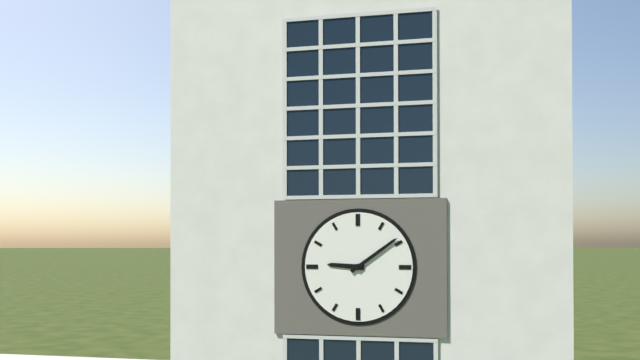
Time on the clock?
9:09
